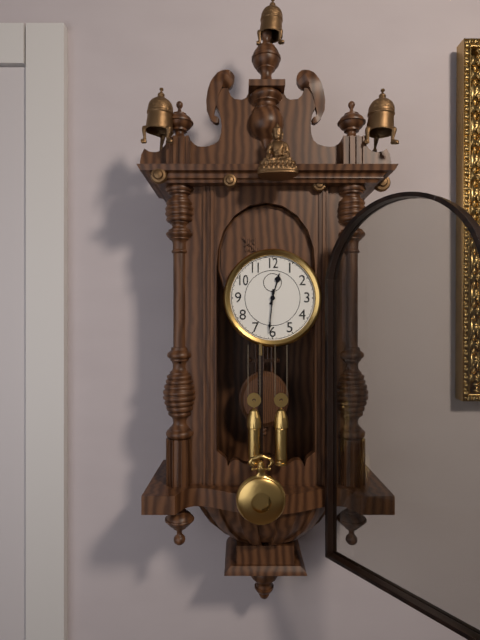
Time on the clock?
12:31
